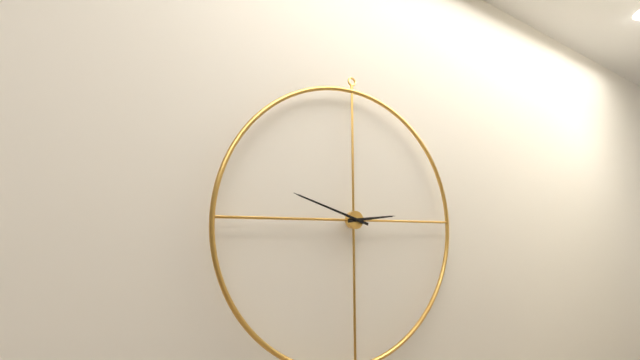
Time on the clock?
2:48
